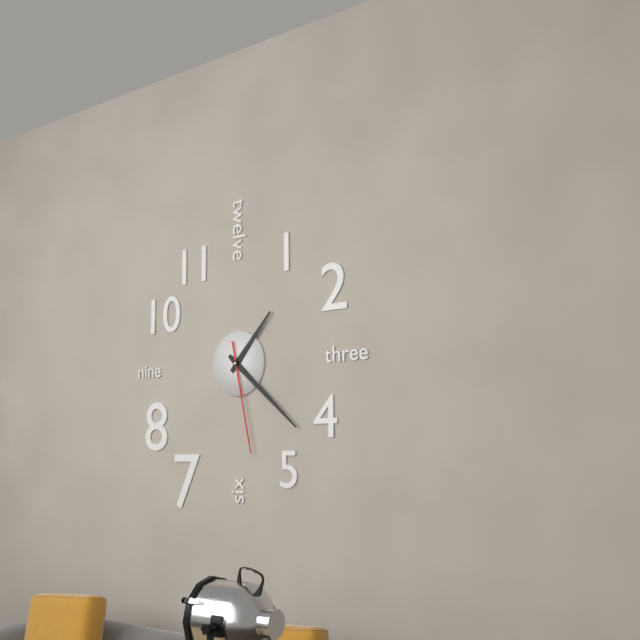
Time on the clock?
1:22:28
